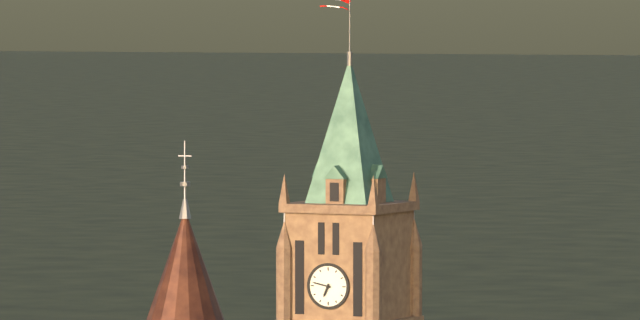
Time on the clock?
6:47
